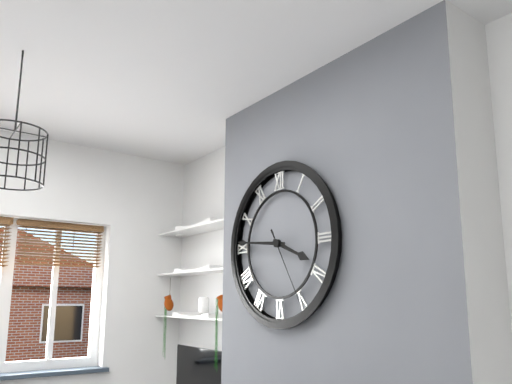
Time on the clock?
3:46:25
